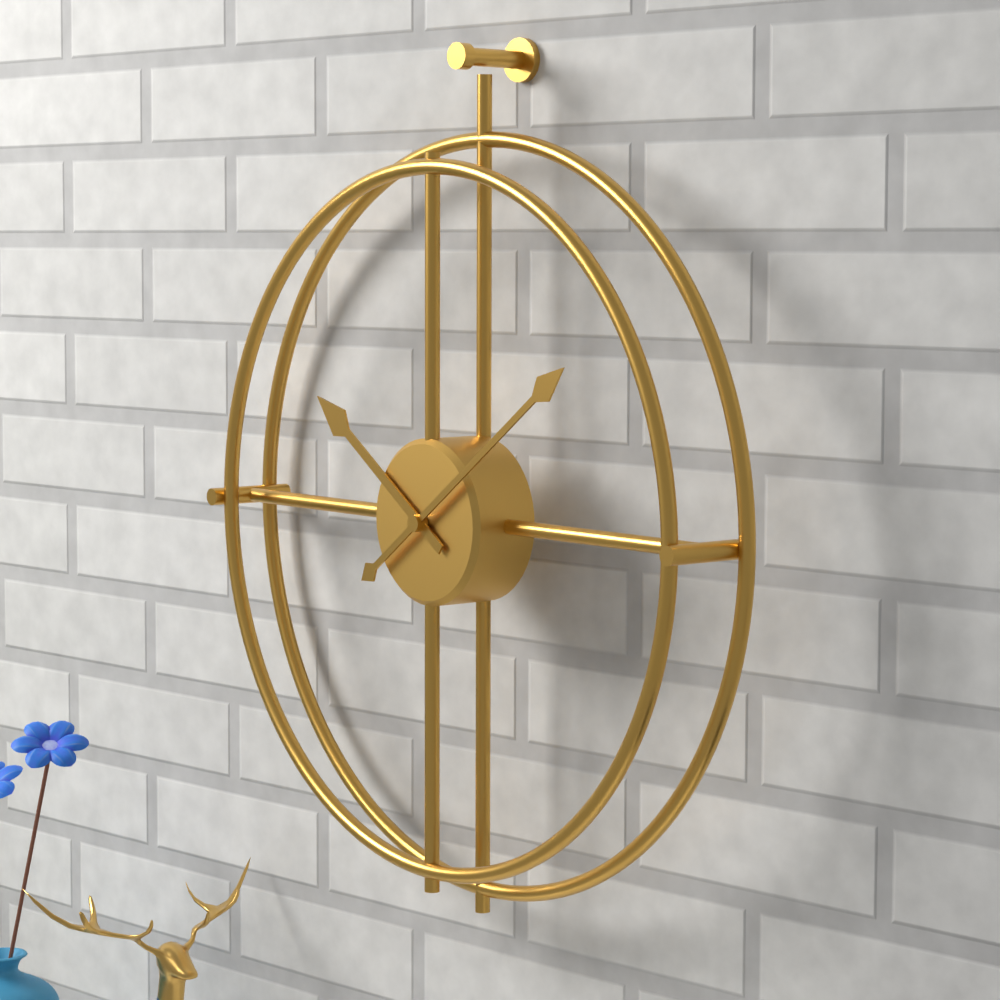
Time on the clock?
10:09
